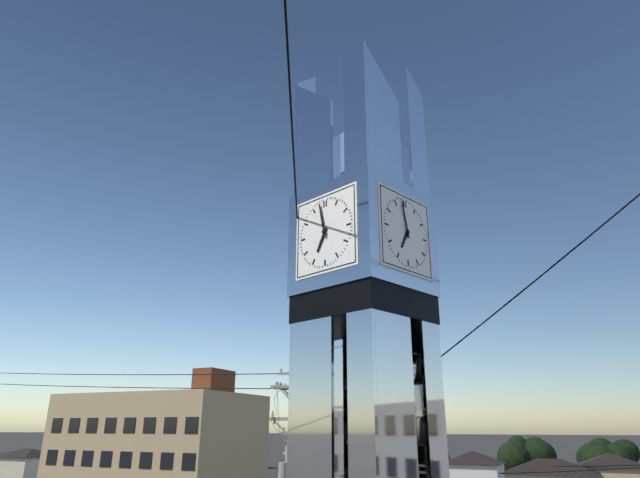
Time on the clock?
6:58
